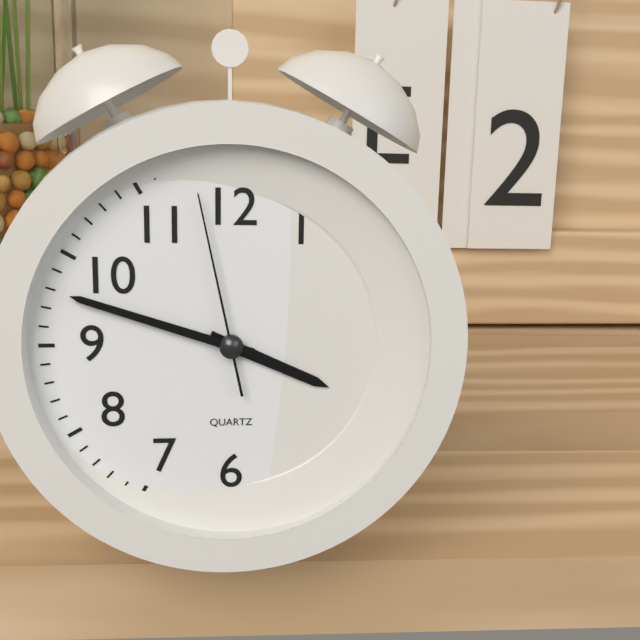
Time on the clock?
3:48:58
